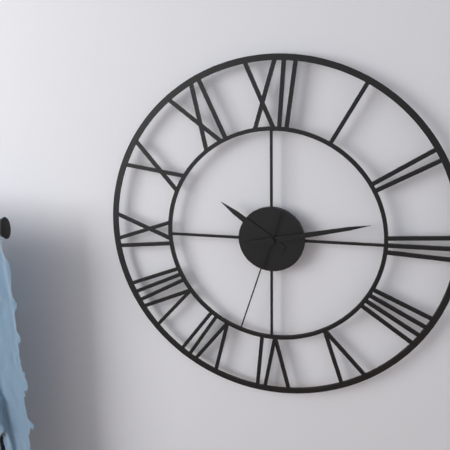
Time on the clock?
10:13:33
